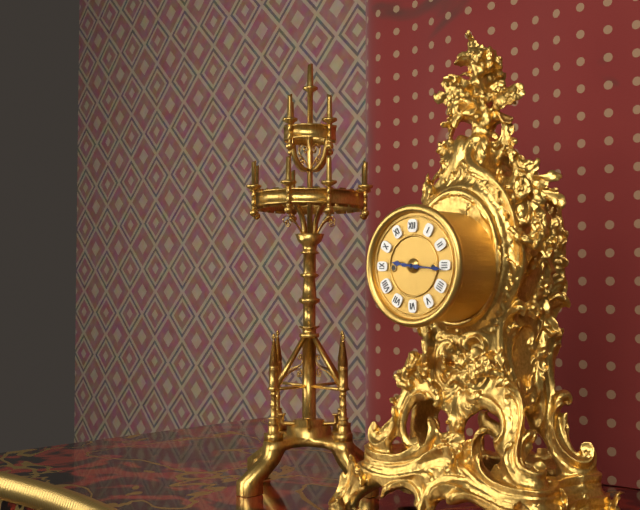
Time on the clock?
9:16
